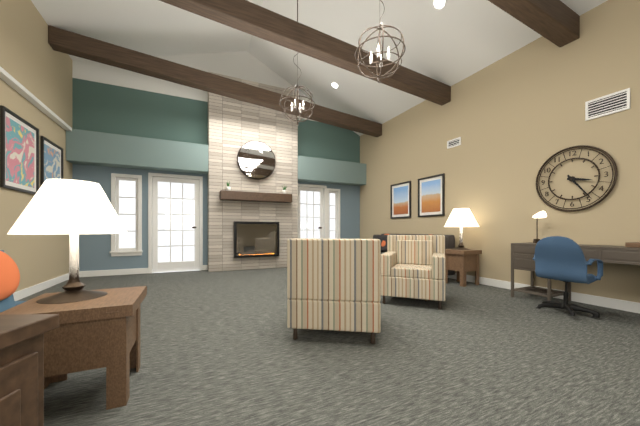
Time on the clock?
3:24
